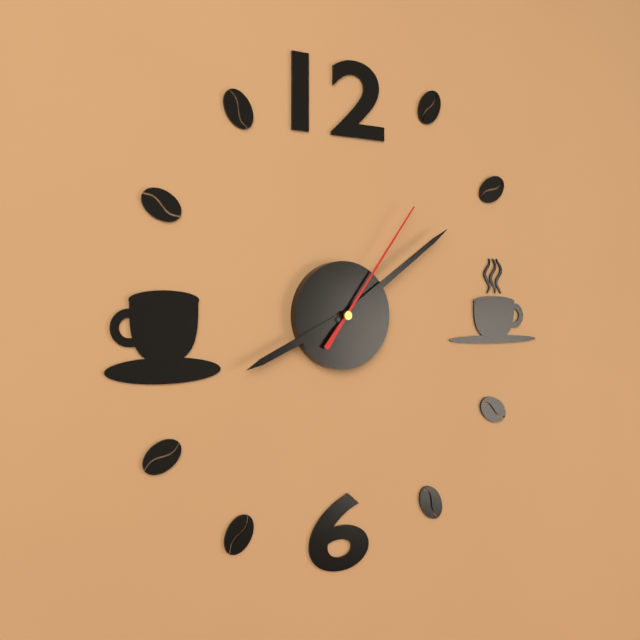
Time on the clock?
8:09:06
